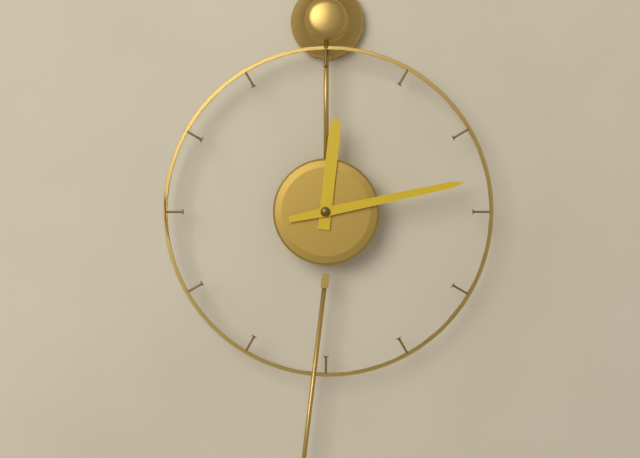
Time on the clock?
12:13
